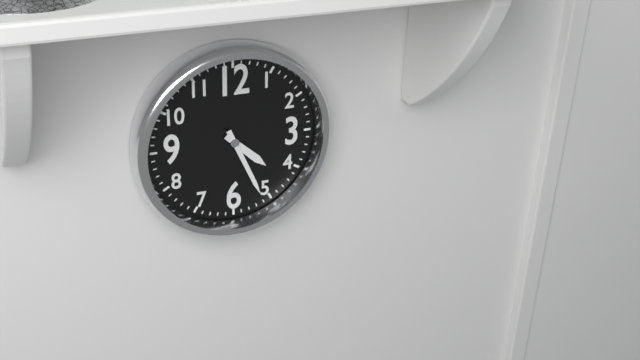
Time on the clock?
4:26
